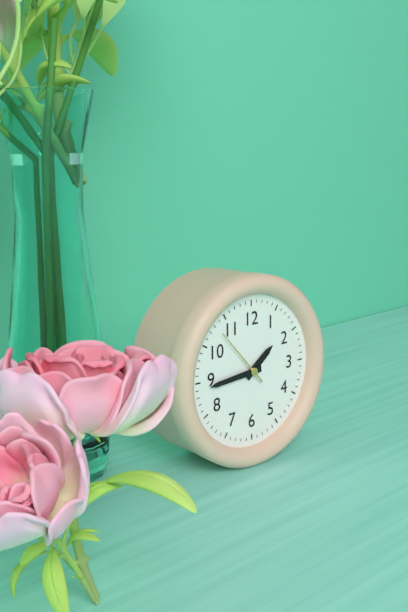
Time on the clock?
1:44:53
